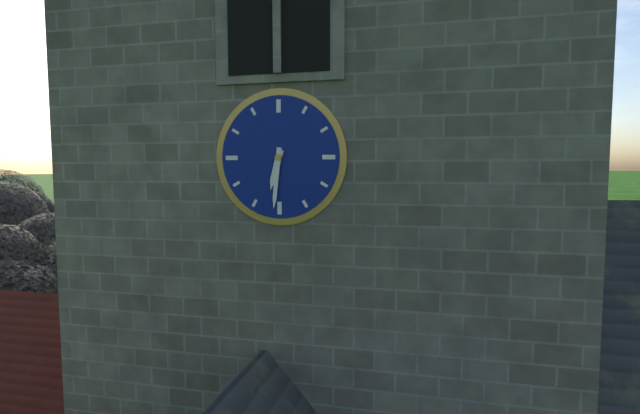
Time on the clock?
6:31
